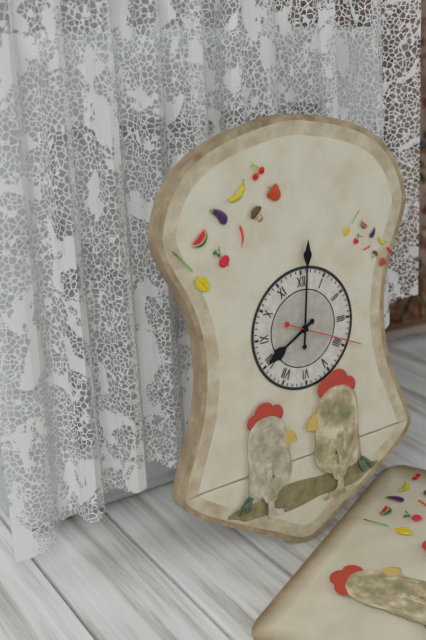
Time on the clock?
8:01:19
